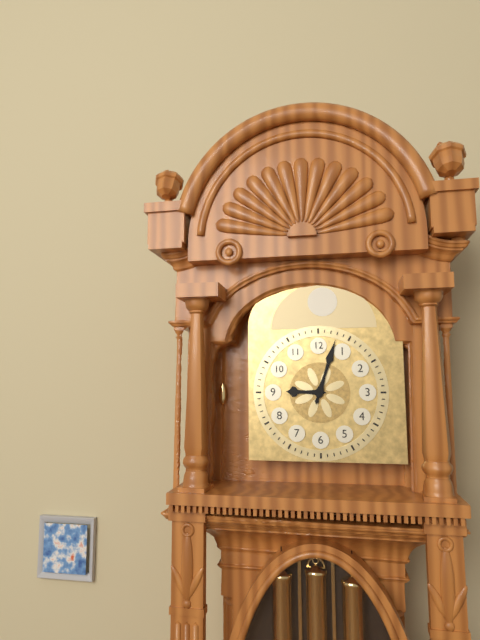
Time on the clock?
9:03
